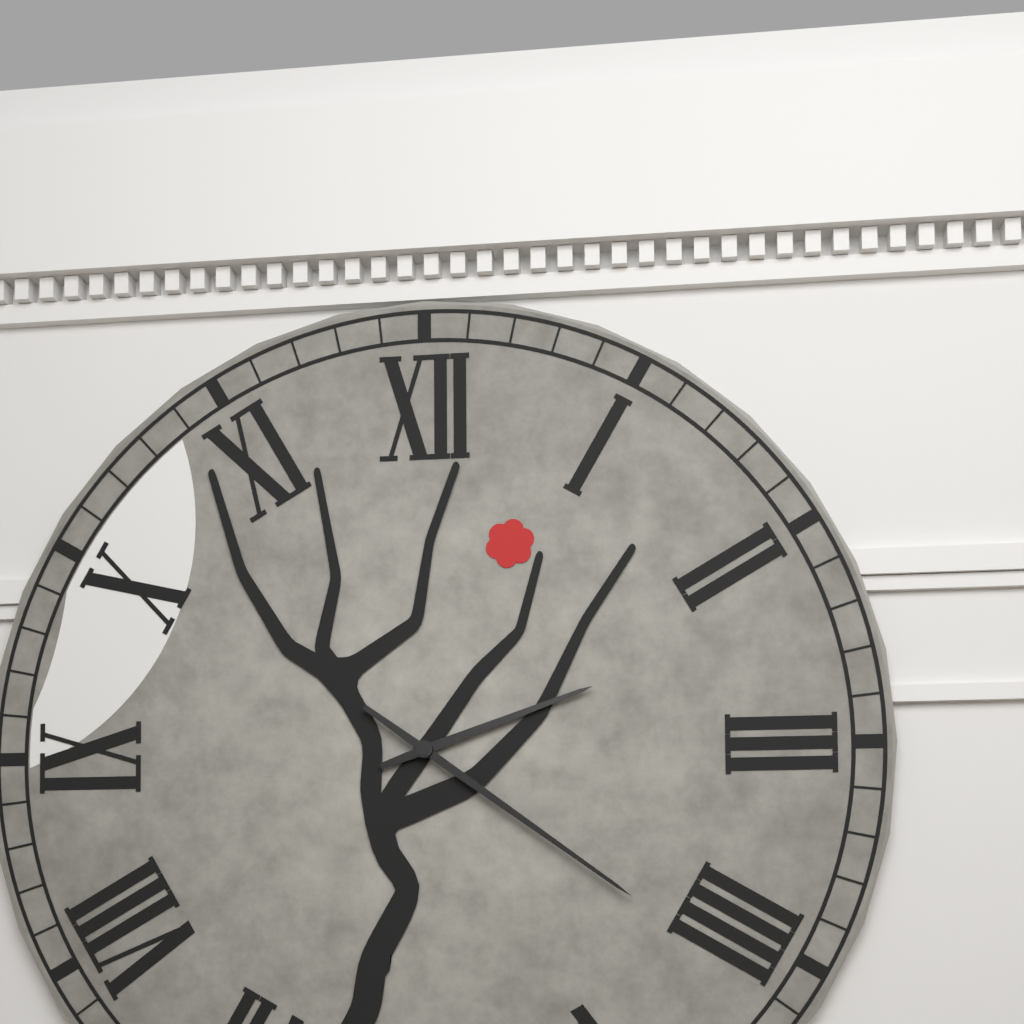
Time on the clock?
2:21
